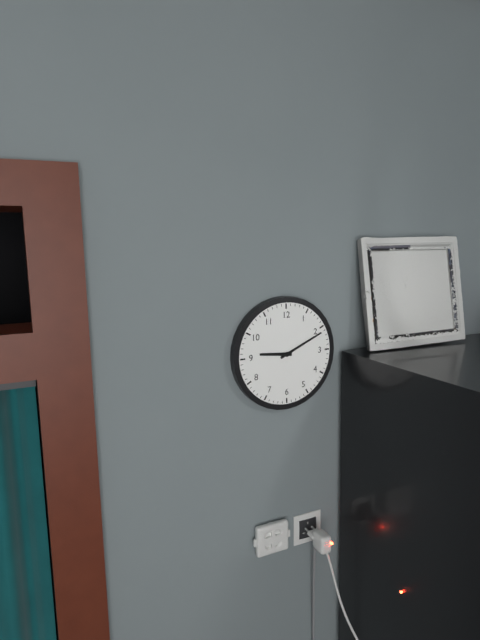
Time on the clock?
9:11
